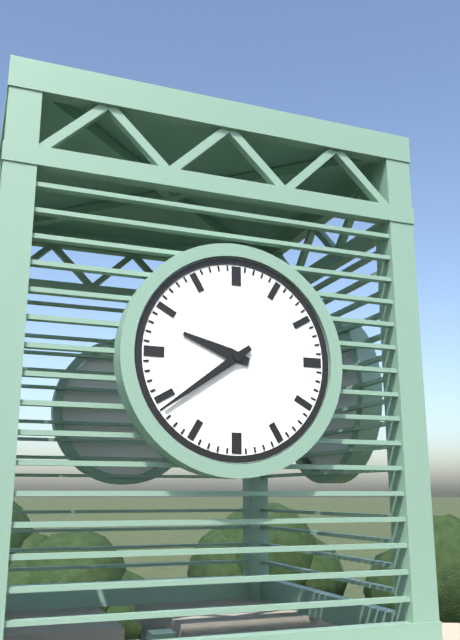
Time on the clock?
9:39
